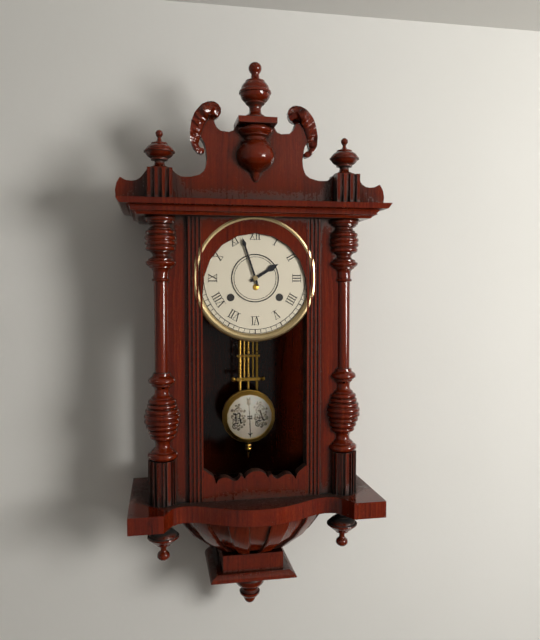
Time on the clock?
1:57
